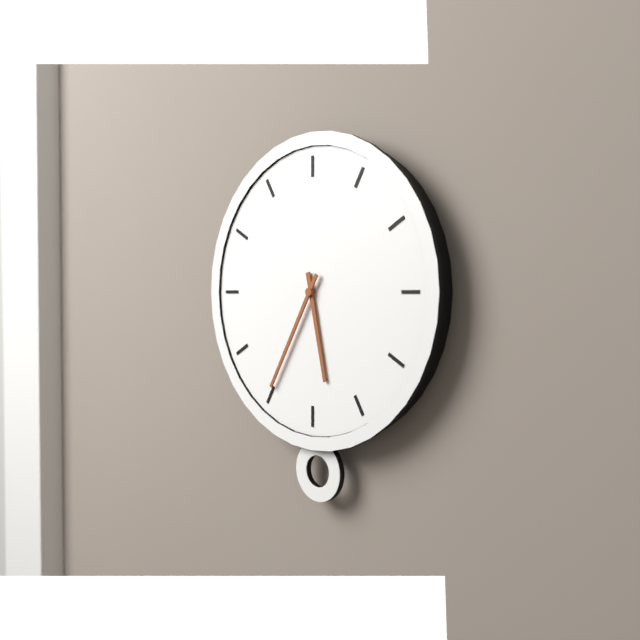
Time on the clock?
5:35
